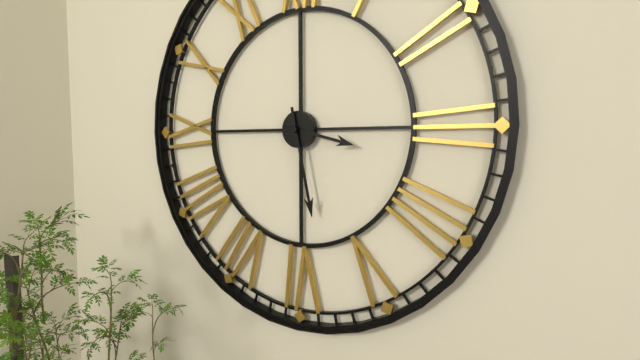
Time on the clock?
3:28
